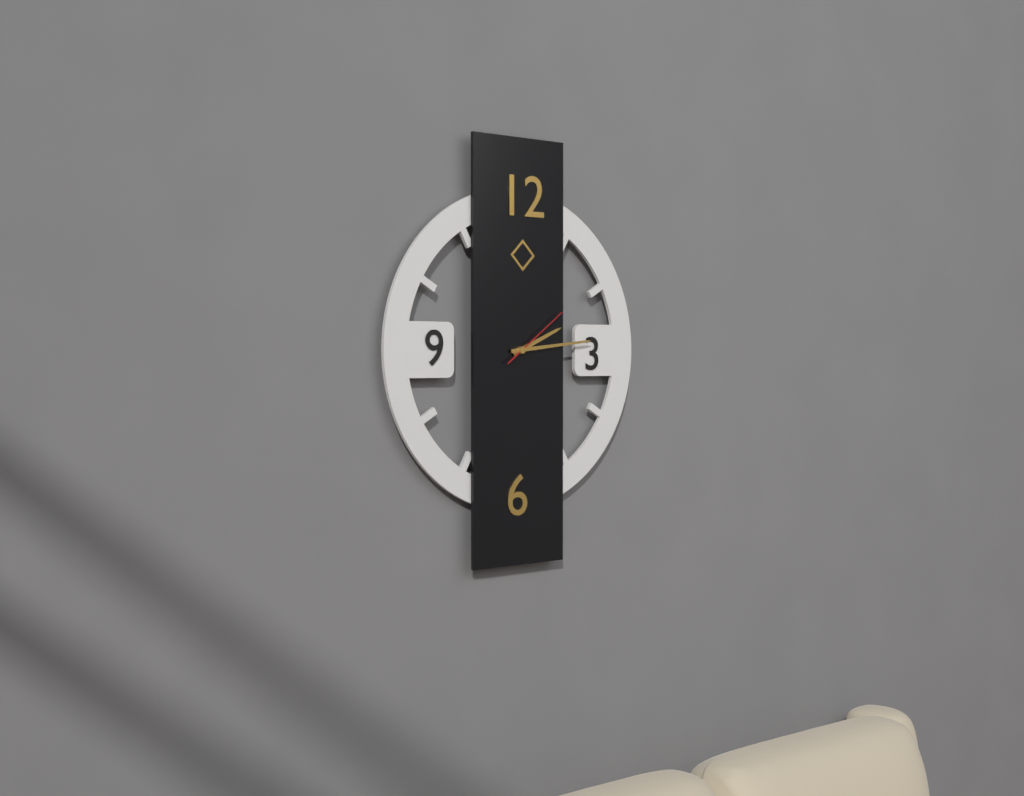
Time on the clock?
2:14:09
